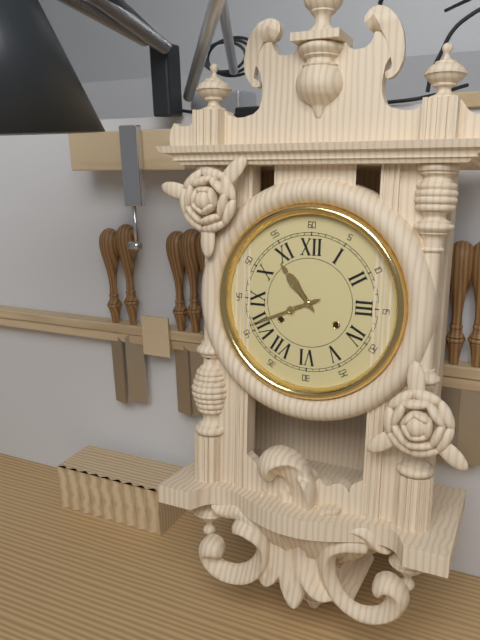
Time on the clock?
10:41
